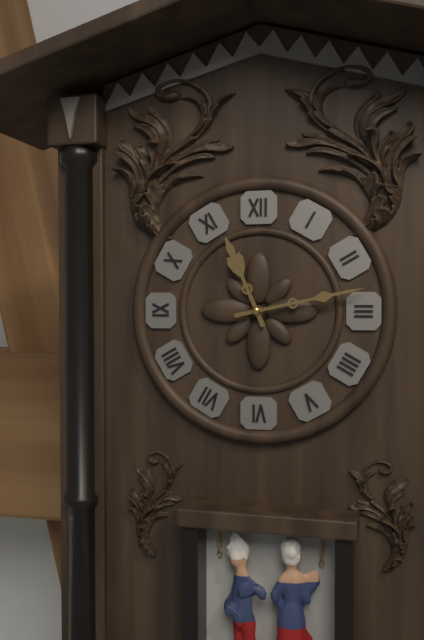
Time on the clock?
11:13
